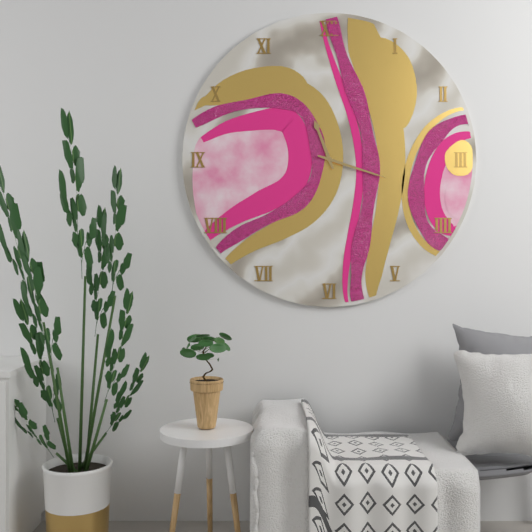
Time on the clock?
11:18
